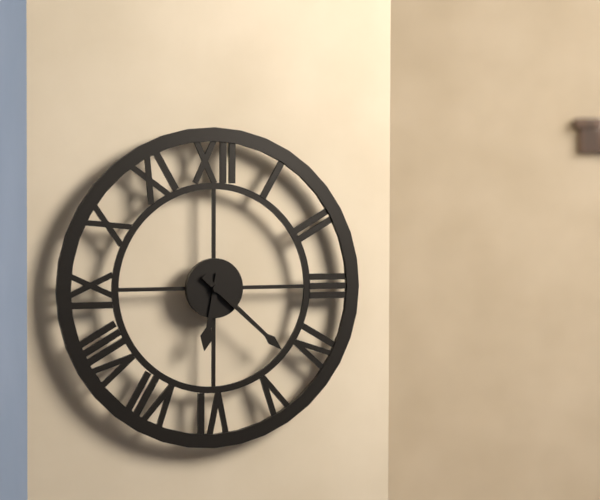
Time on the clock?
6:22
